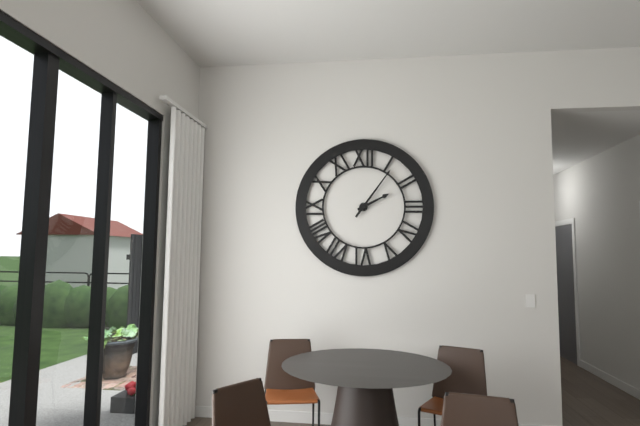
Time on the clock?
2:06
